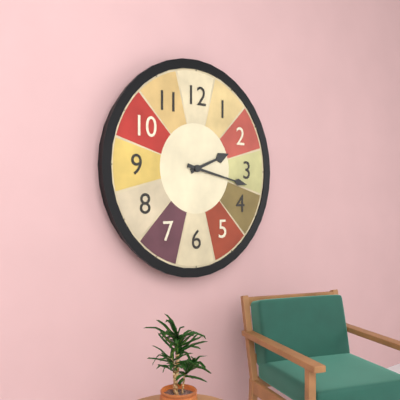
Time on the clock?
2:17
